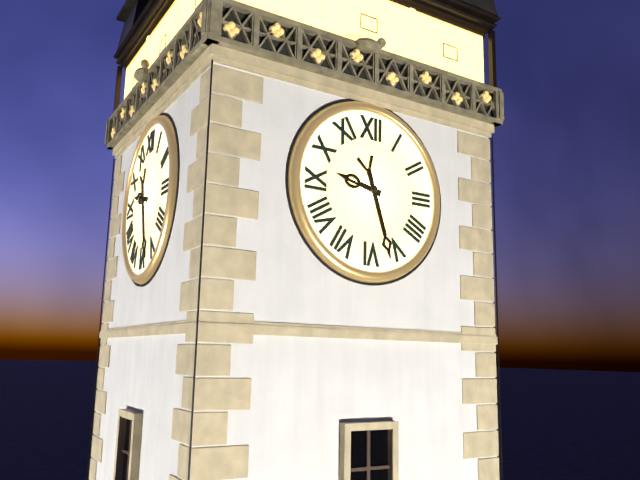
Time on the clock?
9:27
